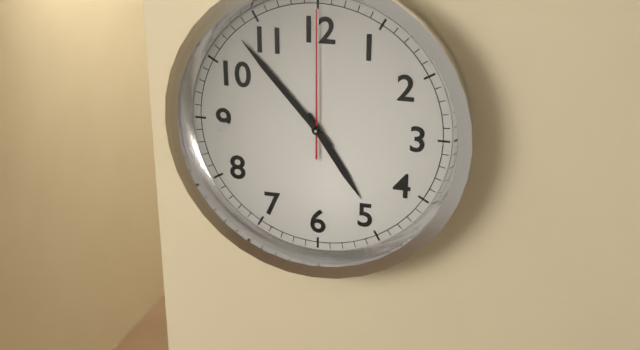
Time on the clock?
4:53:00
